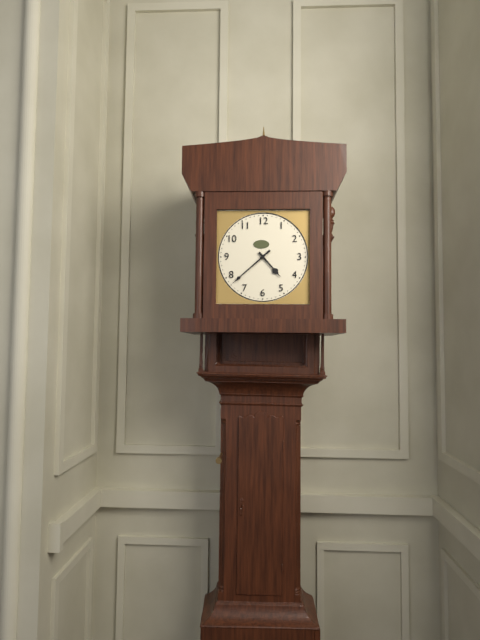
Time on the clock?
4:38
